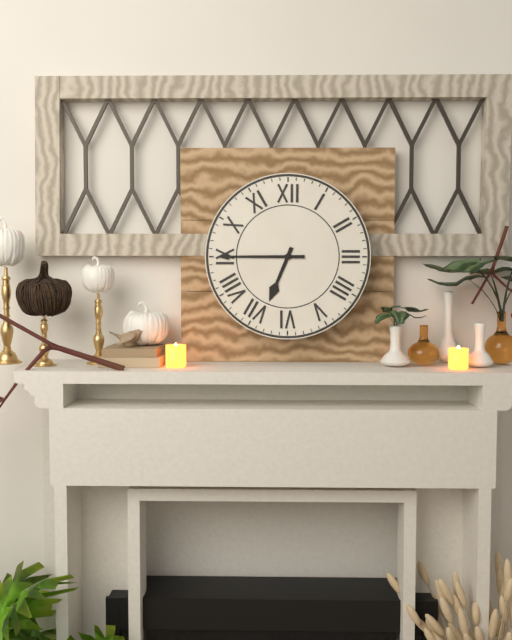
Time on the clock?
6:45
